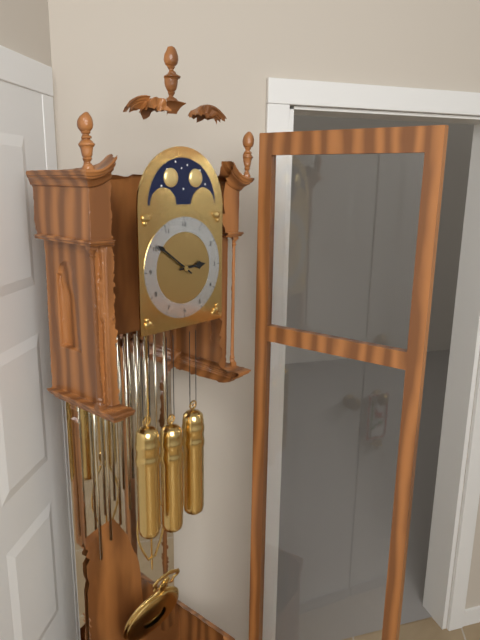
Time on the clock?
2:51
